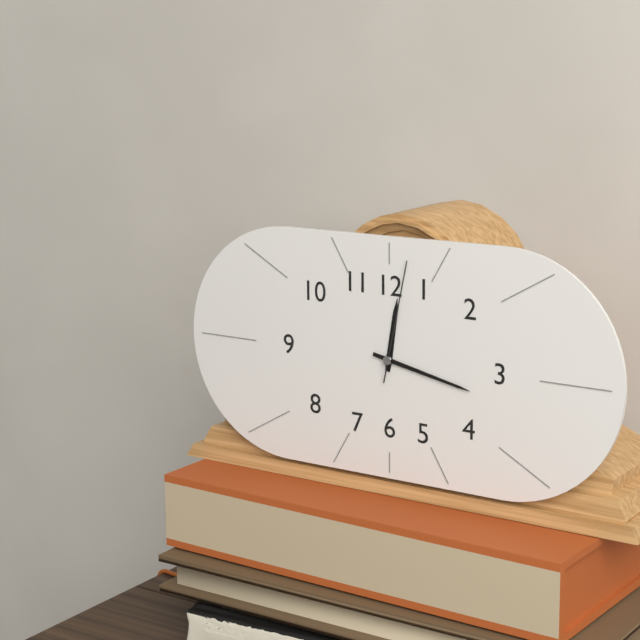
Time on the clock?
12:17:02
